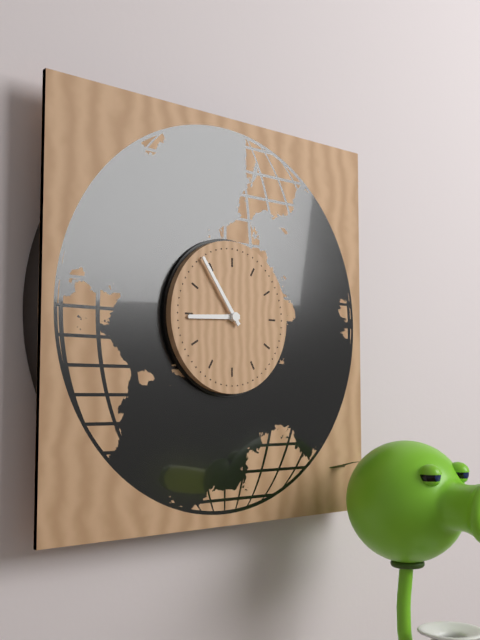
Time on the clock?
8:54
